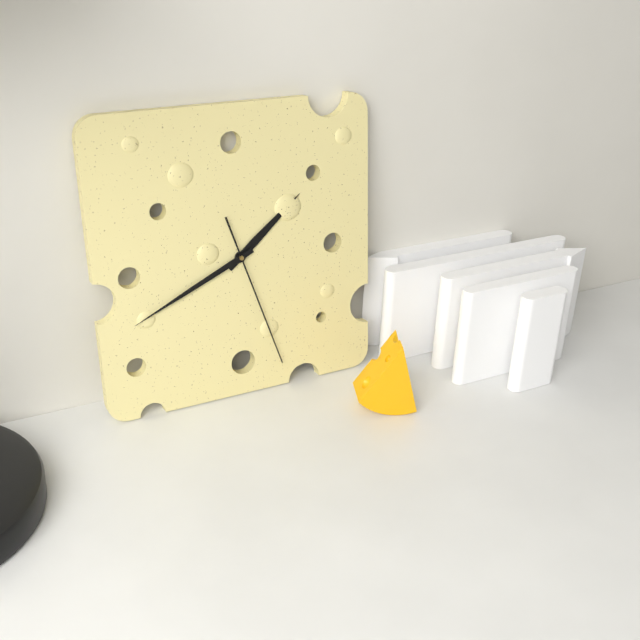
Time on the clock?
1:41:27
